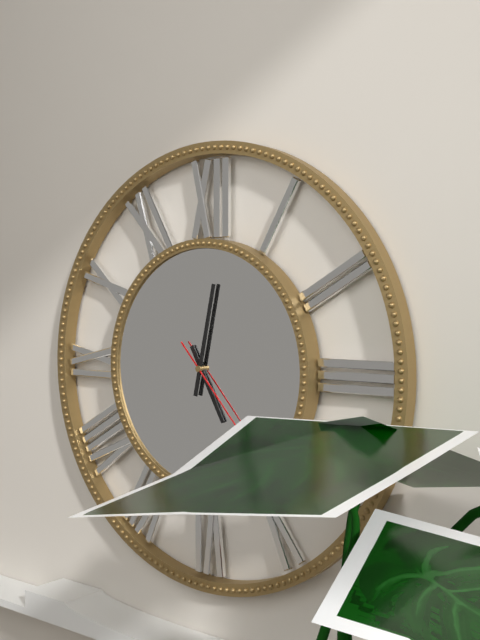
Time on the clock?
5:02:23
